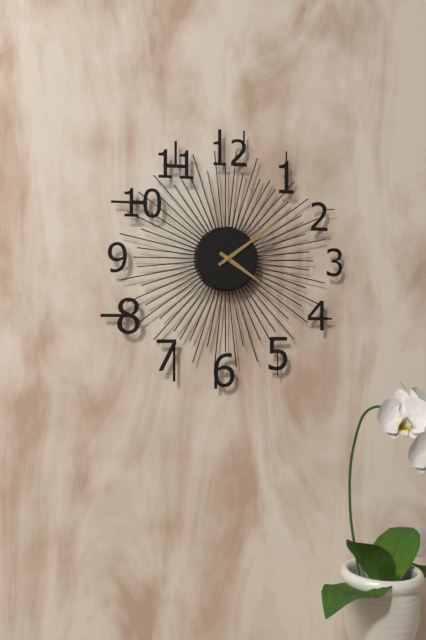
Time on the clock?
4:09
